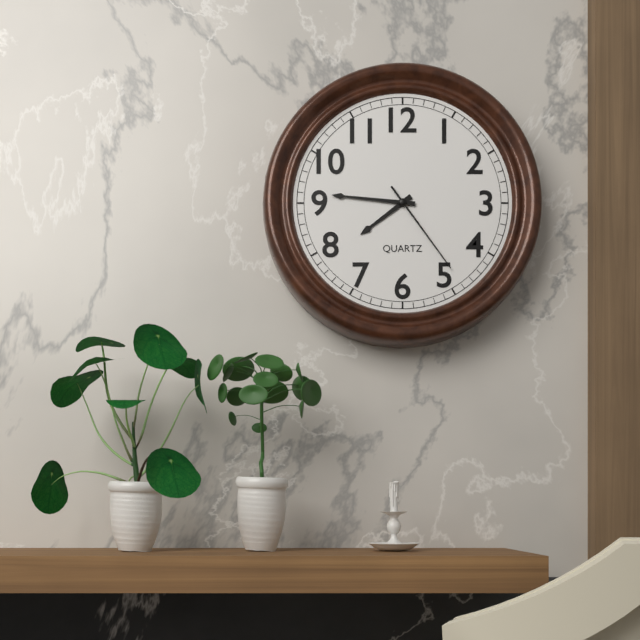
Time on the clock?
7:46:24
